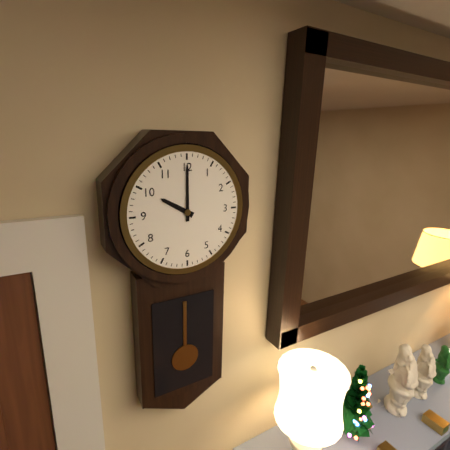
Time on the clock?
10:00
